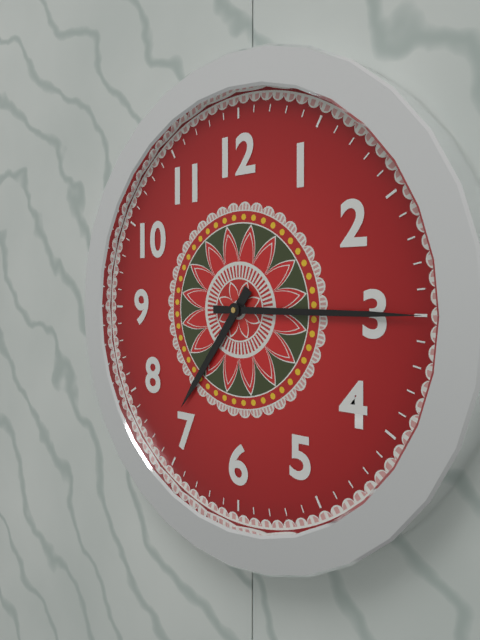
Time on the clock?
7:15
